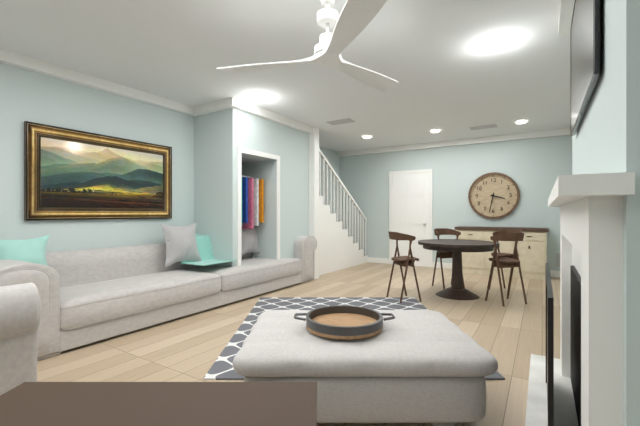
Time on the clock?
3:32
